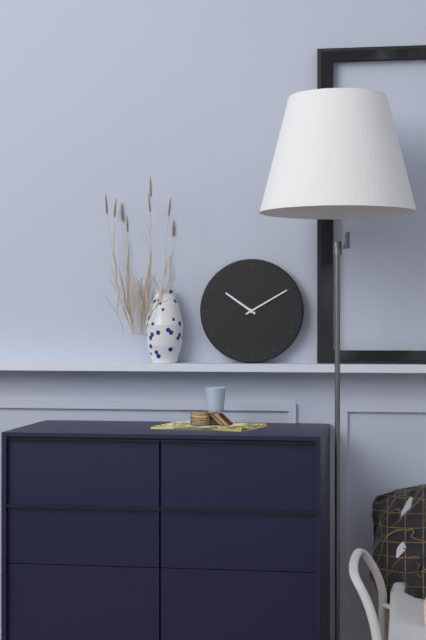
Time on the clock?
10:10
